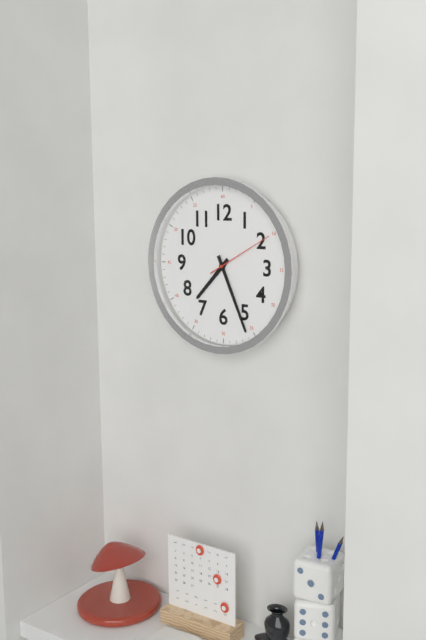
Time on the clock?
7:26:10
